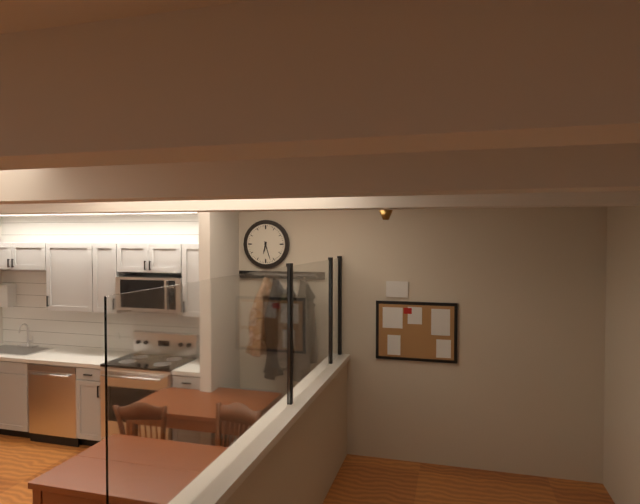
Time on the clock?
6:27
